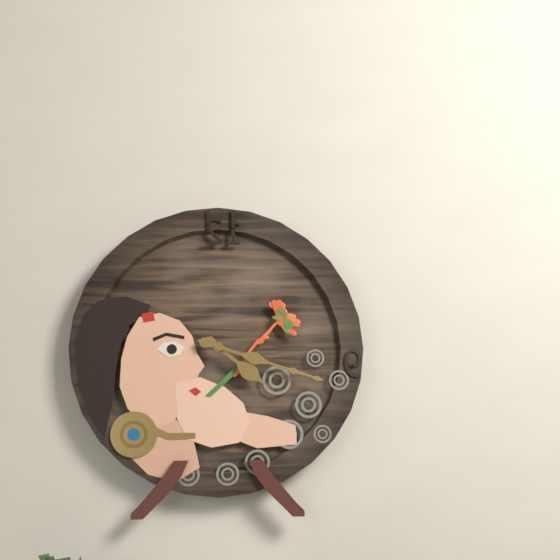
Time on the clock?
4:18
